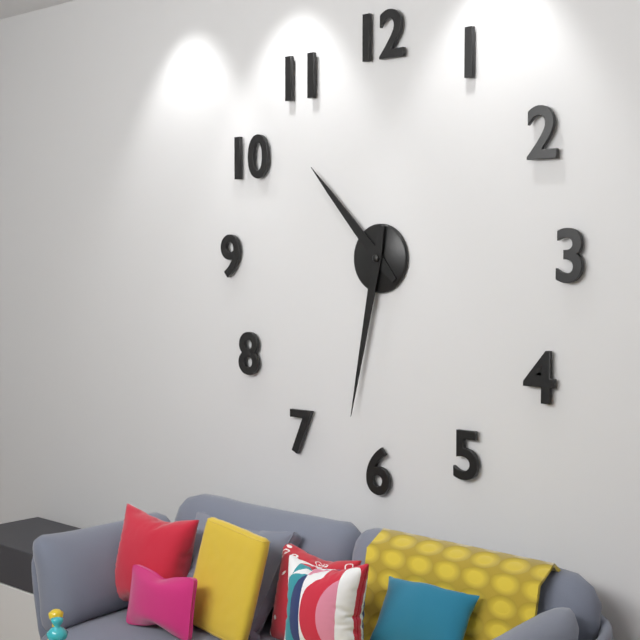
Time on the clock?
10:32
